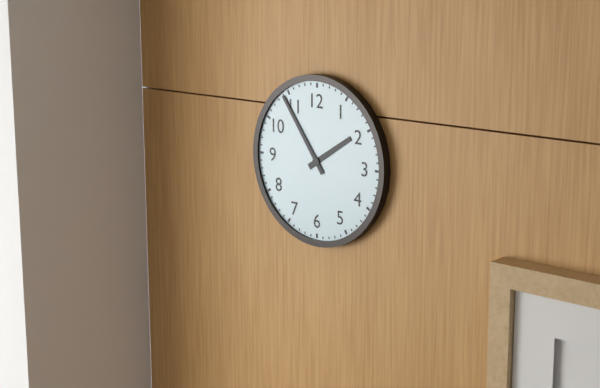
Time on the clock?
1:54
